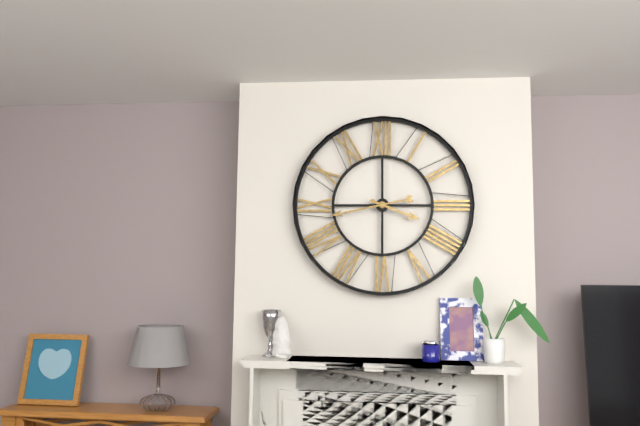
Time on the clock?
3:43
